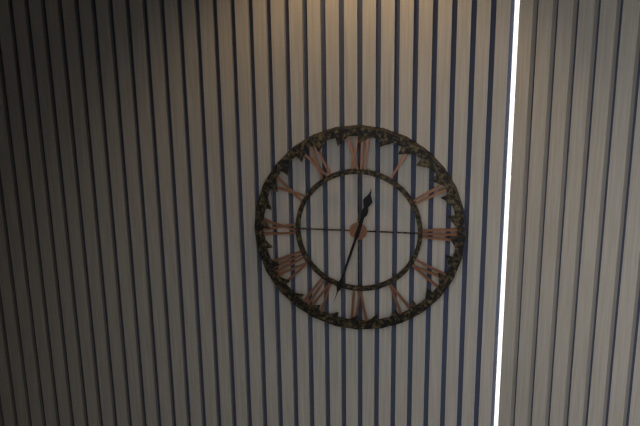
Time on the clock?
12:33
